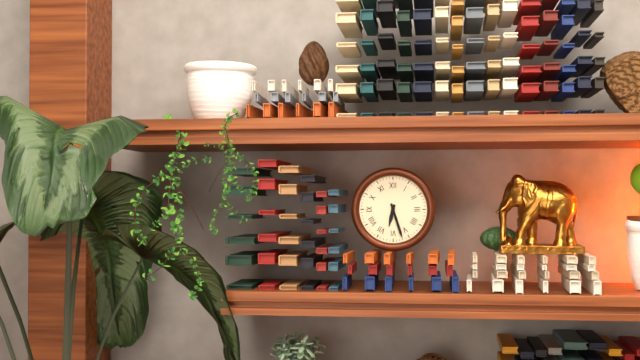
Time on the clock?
6:27
